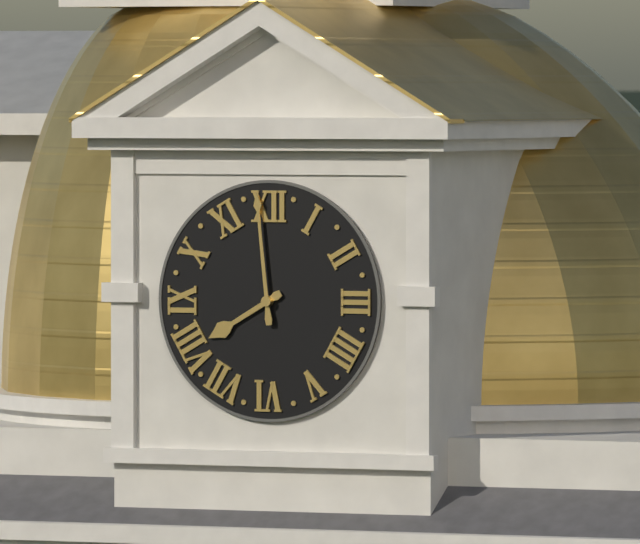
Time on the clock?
7:59
